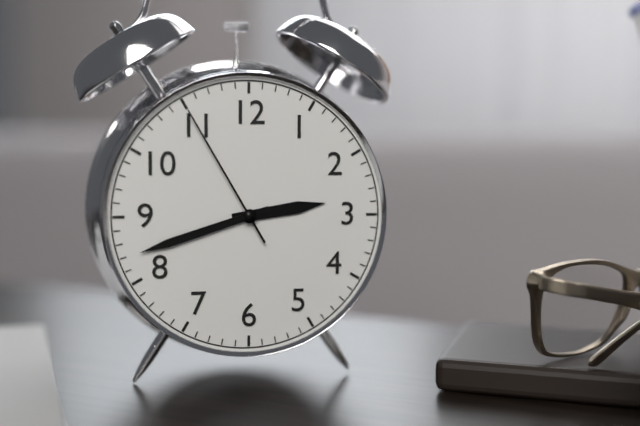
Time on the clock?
2:42:55
